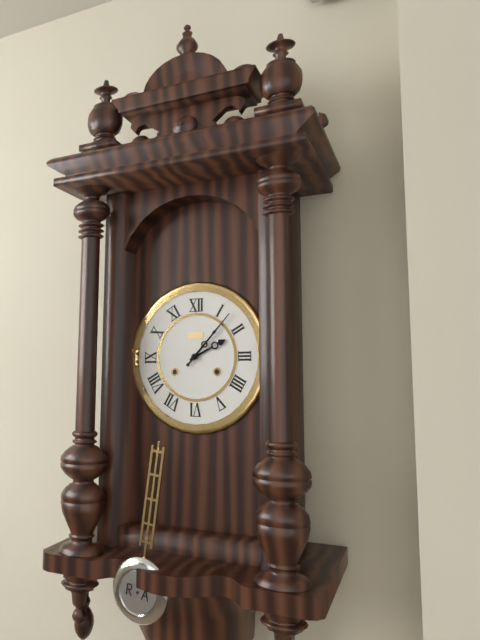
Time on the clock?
2:07
